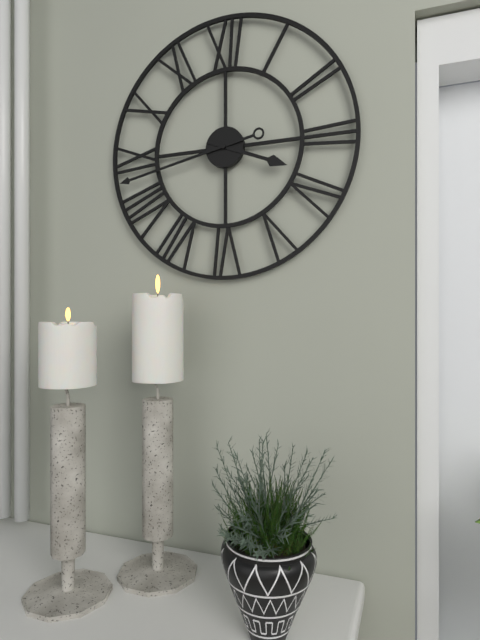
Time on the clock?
3:43
